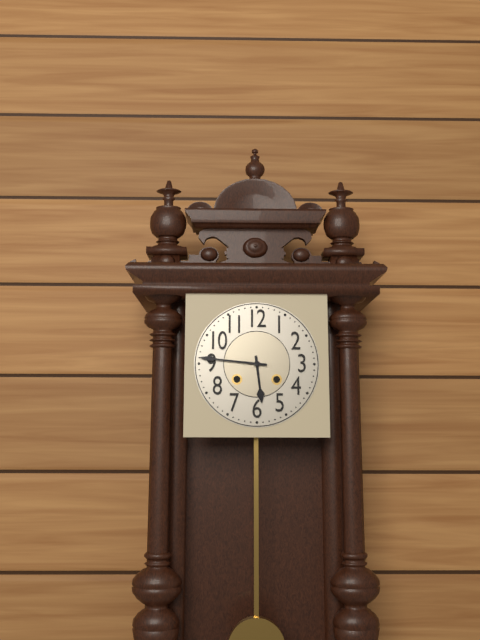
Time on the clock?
5:46
